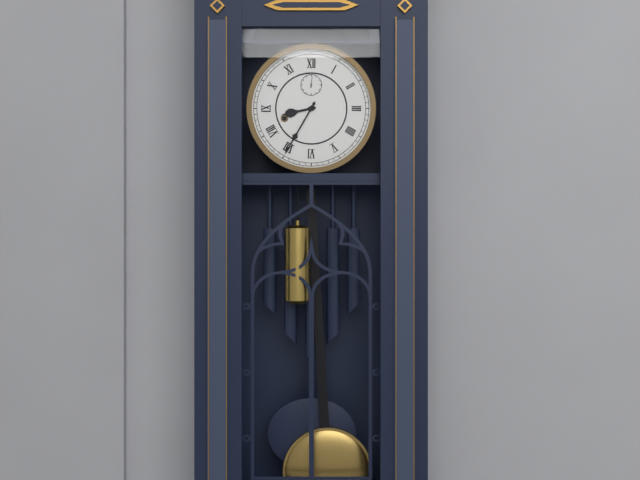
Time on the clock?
8:35
